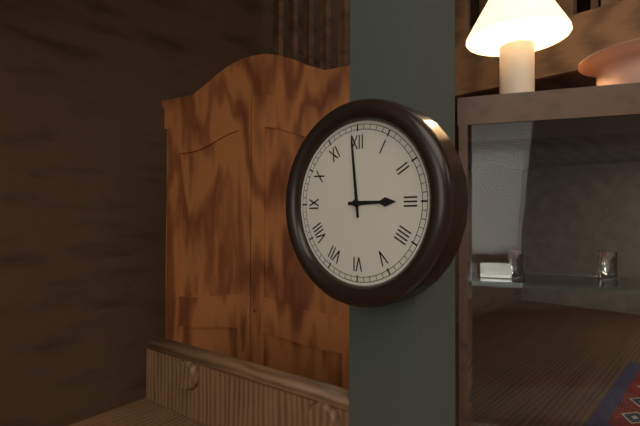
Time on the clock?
2:59
